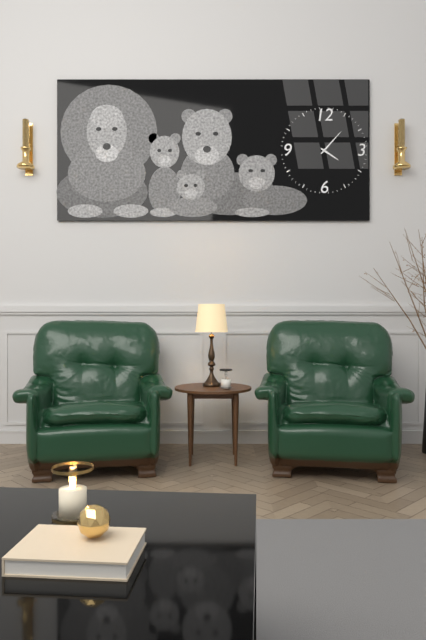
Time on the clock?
4:07
